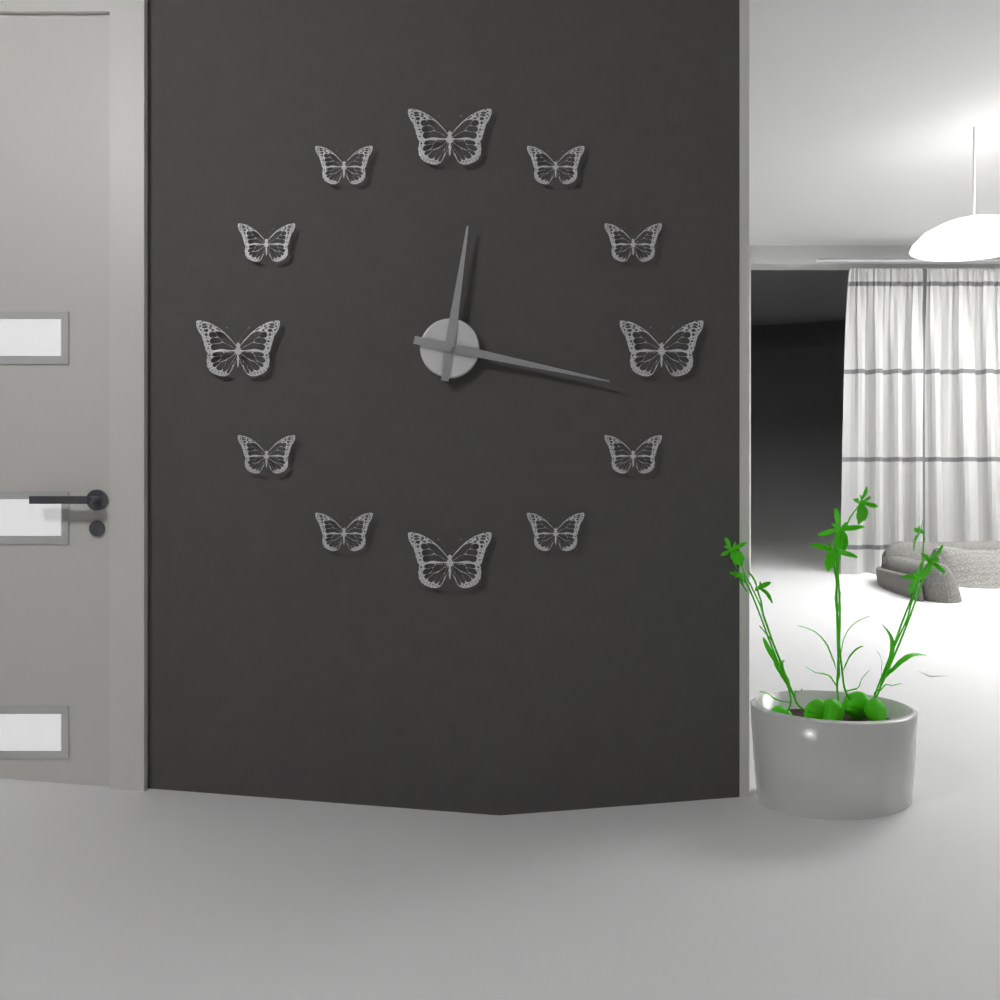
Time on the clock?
12:17
